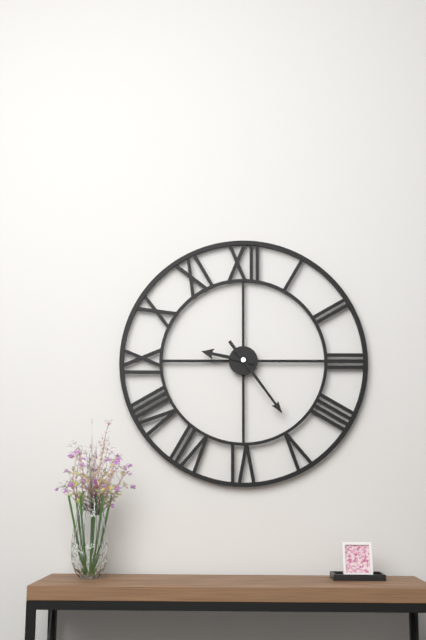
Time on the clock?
9:24
